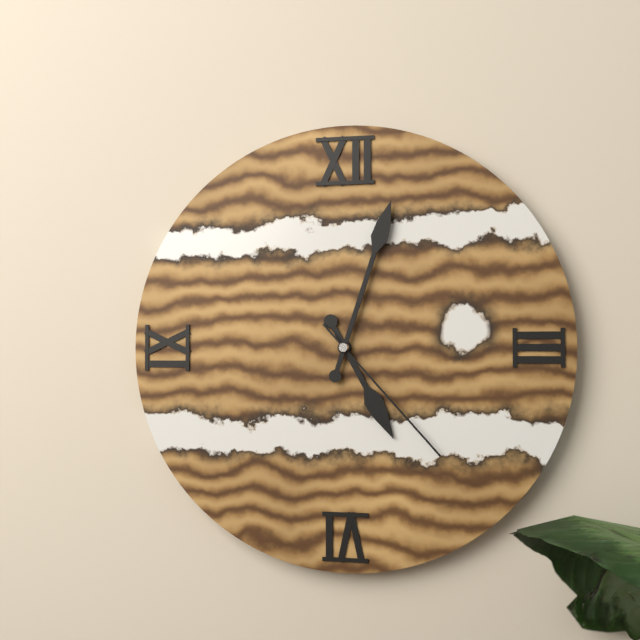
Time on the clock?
5:03:23
